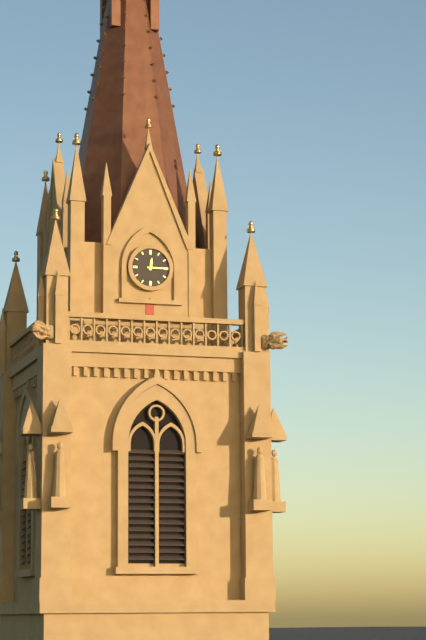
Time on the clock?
12:15
